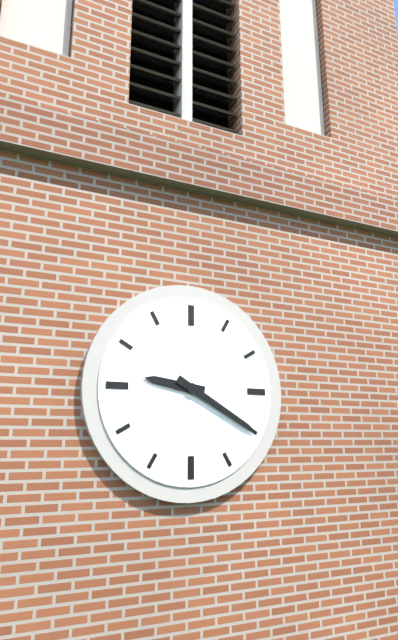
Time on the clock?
9:20
